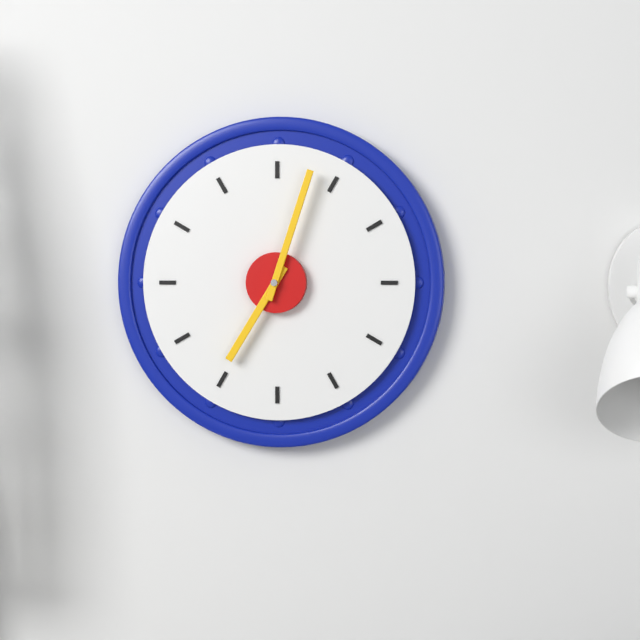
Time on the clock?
7:03
